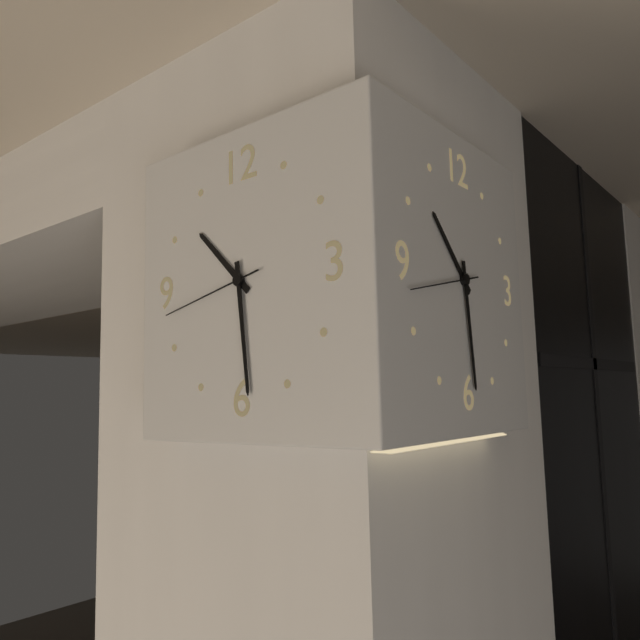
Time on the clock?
10:29:43
